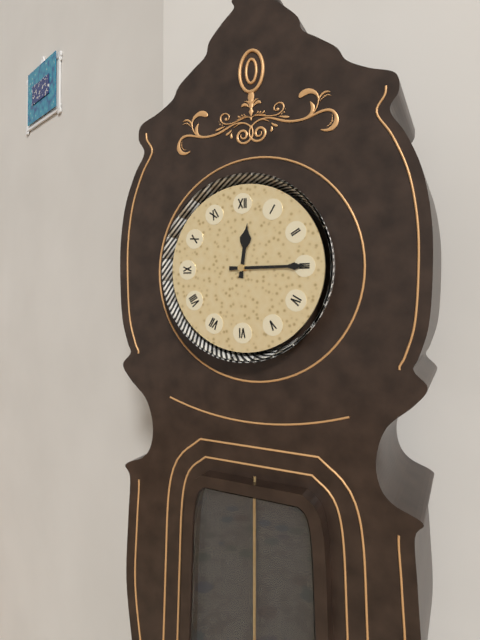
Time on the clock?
12:15
